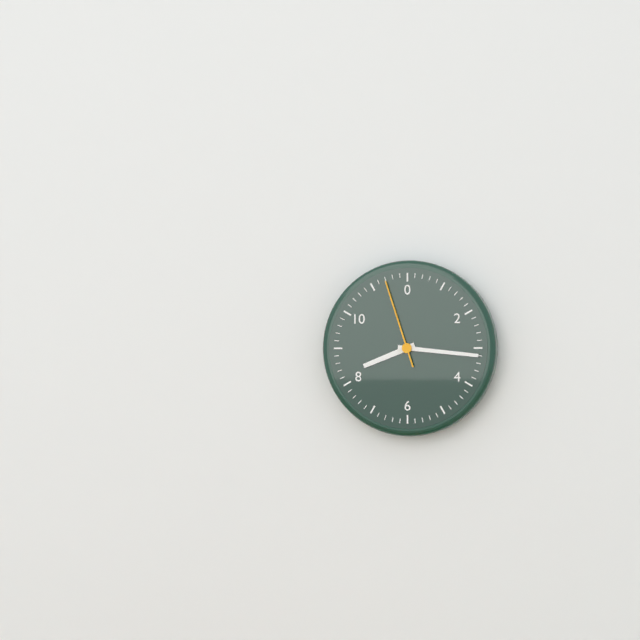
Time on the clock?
8:16:57
